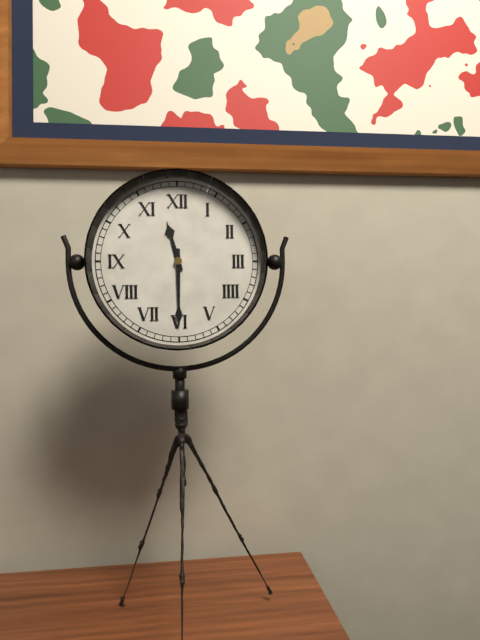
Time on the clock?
11:30
